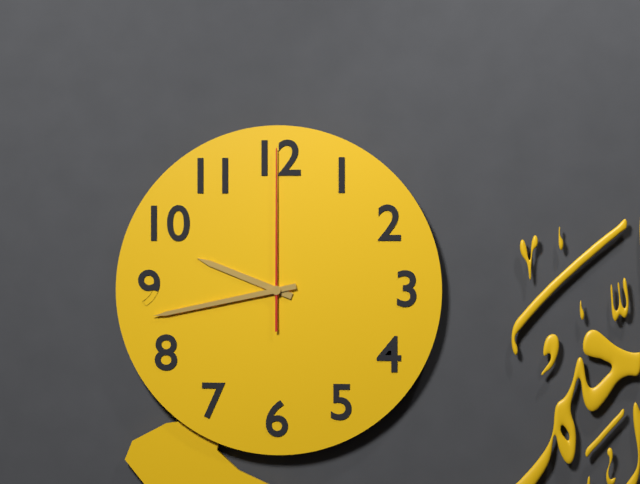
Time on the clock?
9:43:00
